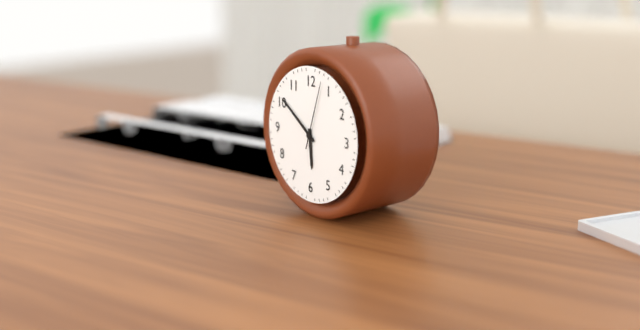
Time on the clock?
5:51:03
